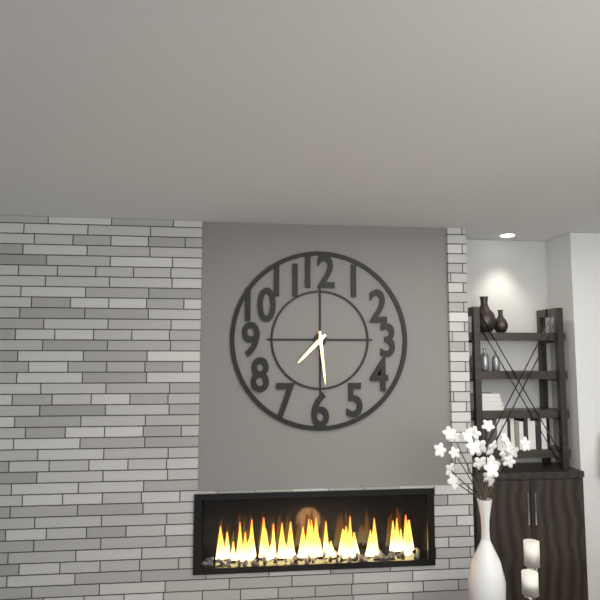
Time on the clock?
7:29
